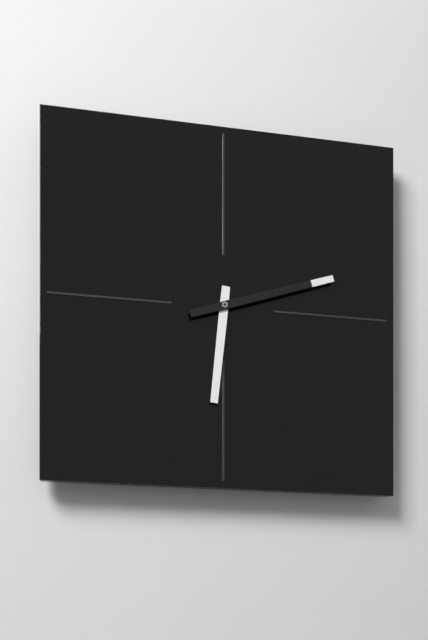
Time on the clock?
6:12
